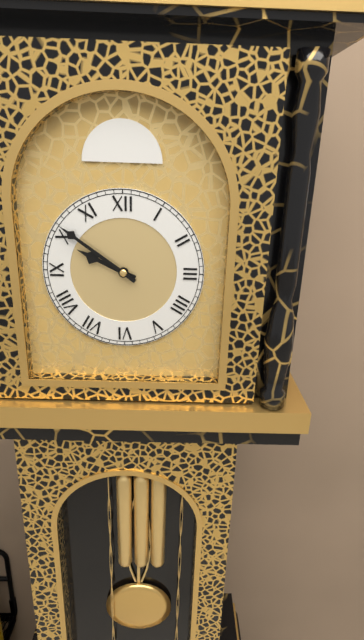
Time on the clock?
9:51
